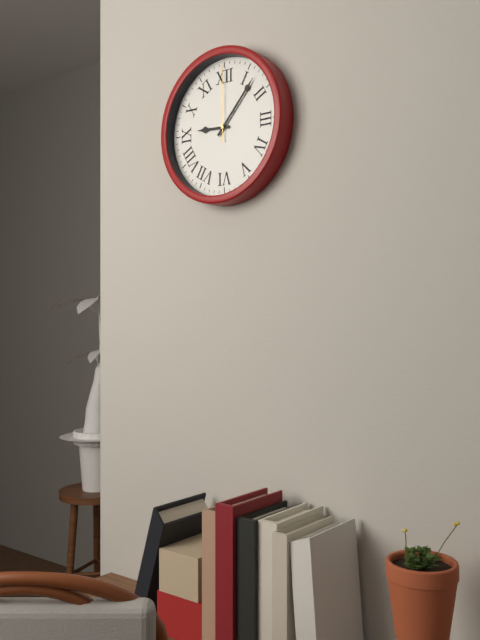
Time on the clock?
9:07:00
